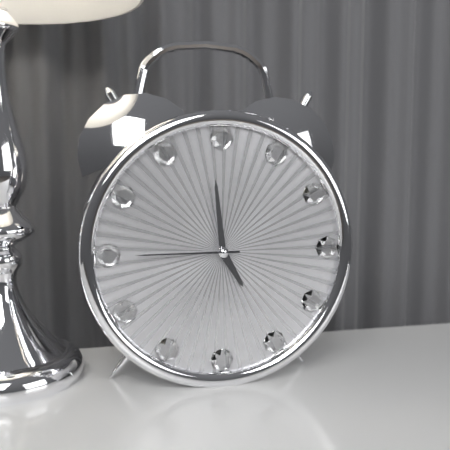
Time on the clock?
4:59:45
